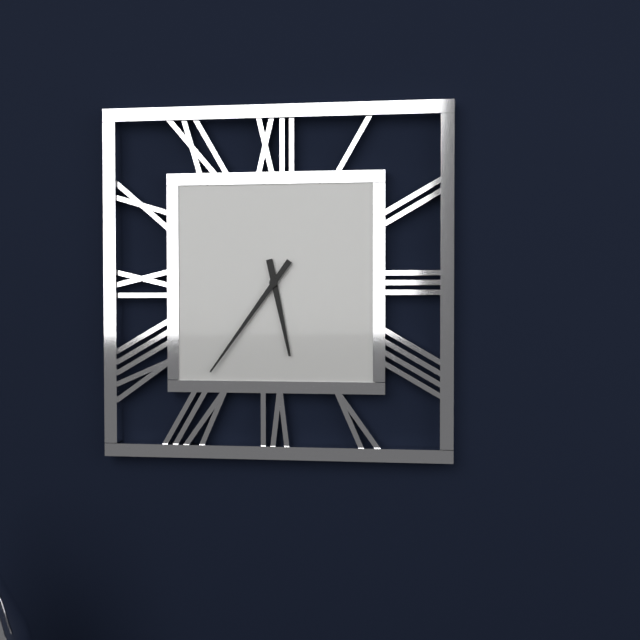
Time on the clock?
5:36
